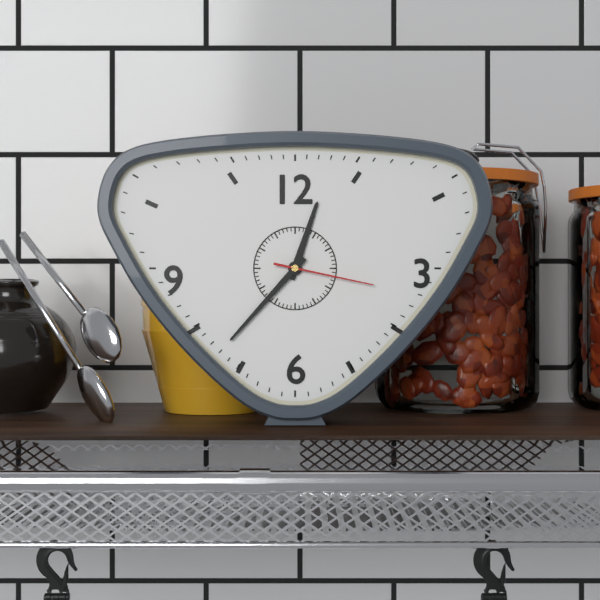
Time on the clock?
12:37:17
